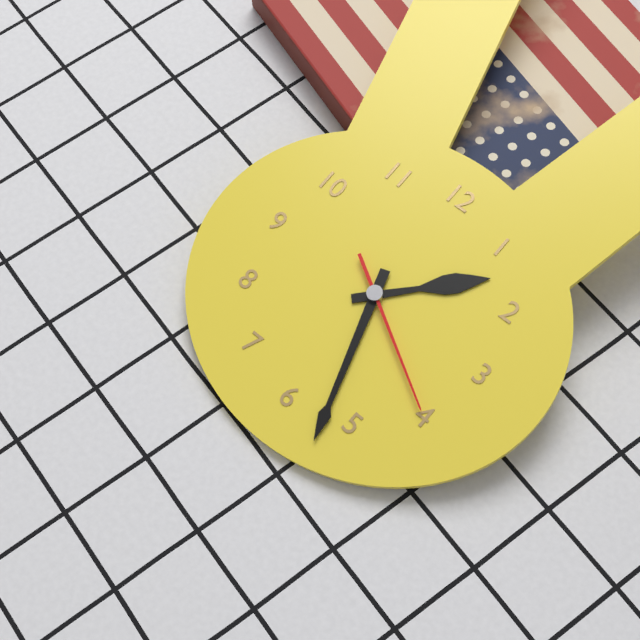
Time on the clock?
1:27:20
